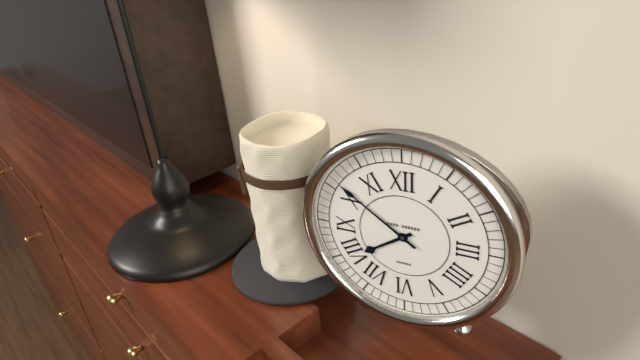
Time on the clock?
7:51
